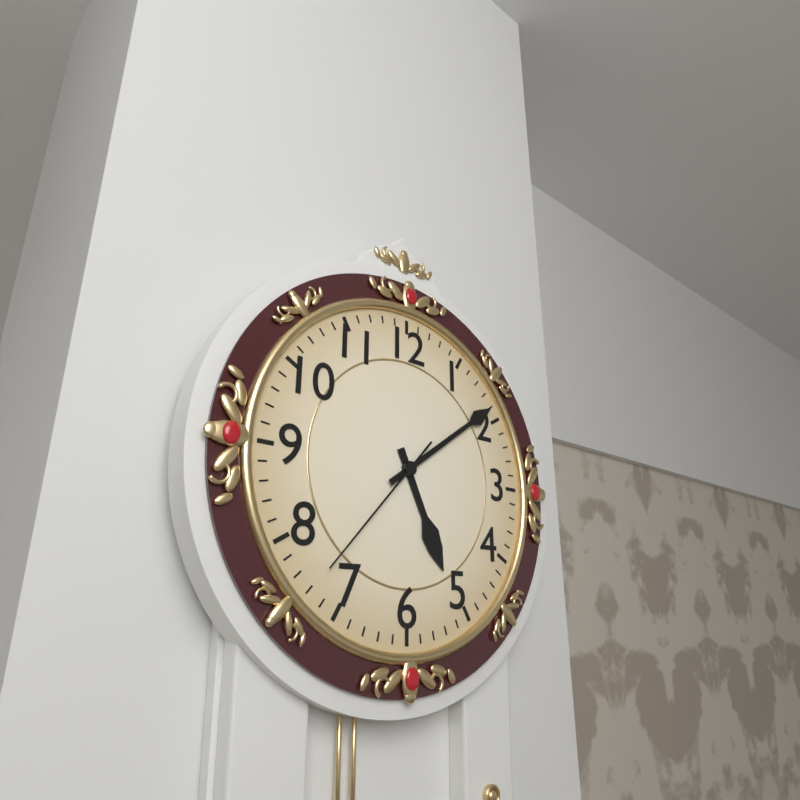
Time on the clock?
5:09:37
